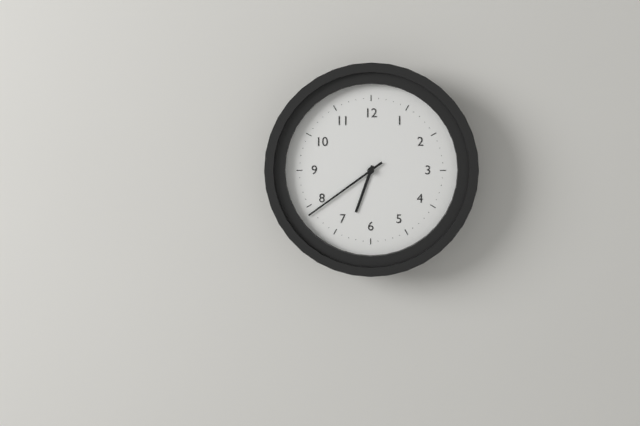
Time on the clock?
6:39
